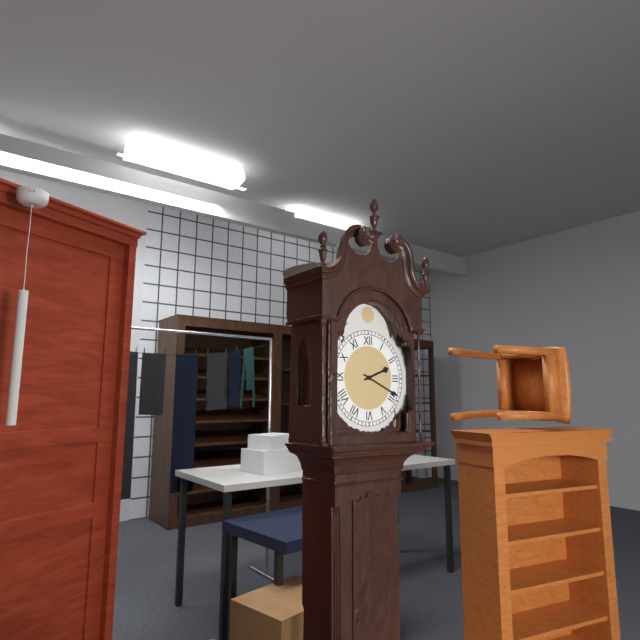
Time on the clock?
2:19
